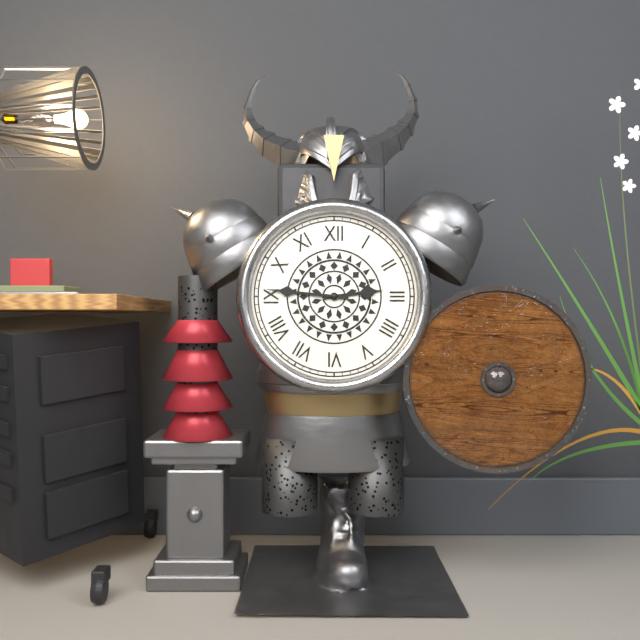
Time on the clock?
2:46
